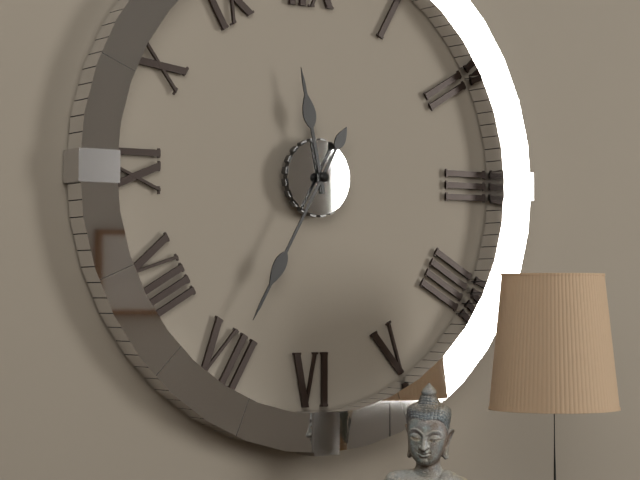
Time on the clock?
11:35
